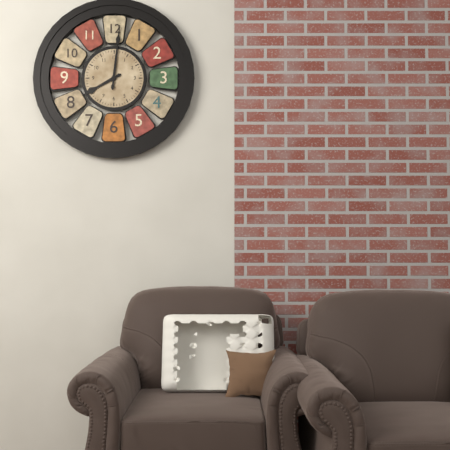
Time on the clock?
8:01
